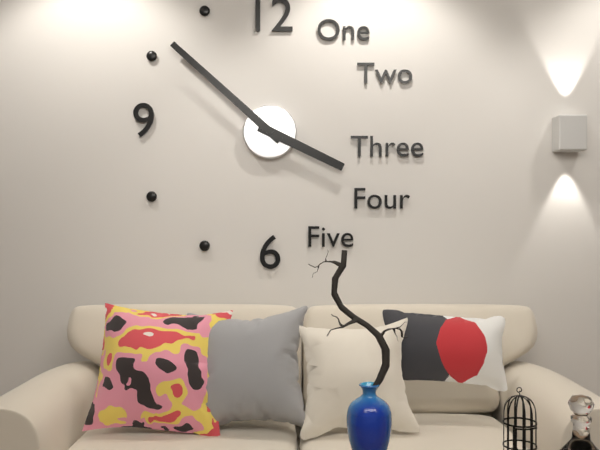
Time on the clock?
3:52
